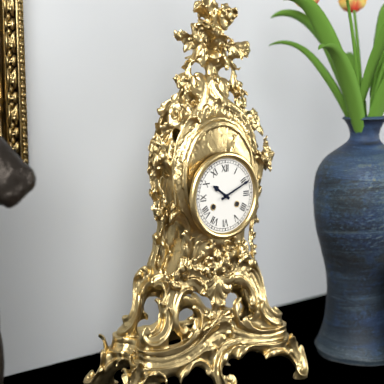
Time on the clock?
10:11
